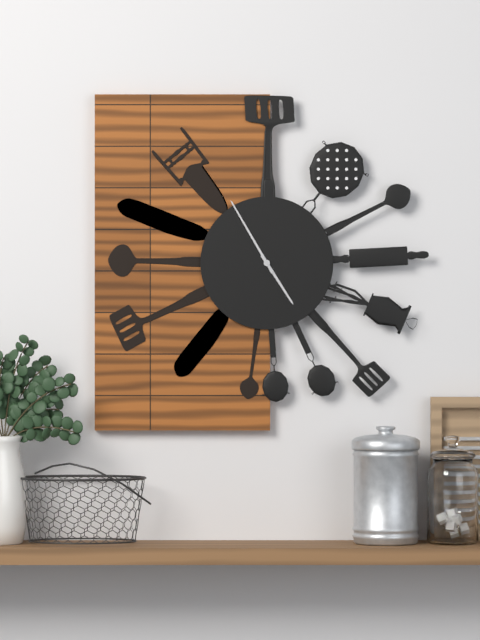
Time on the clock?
4:55
